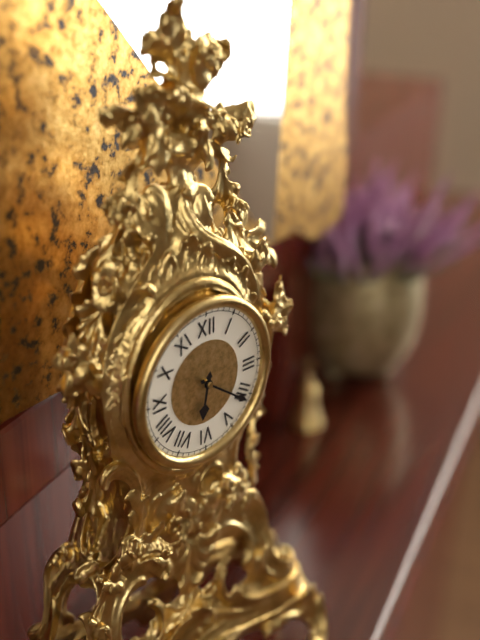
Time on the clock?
6:21
